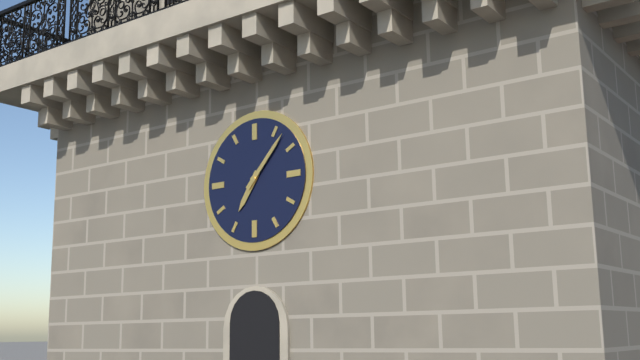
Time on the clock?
7:07
